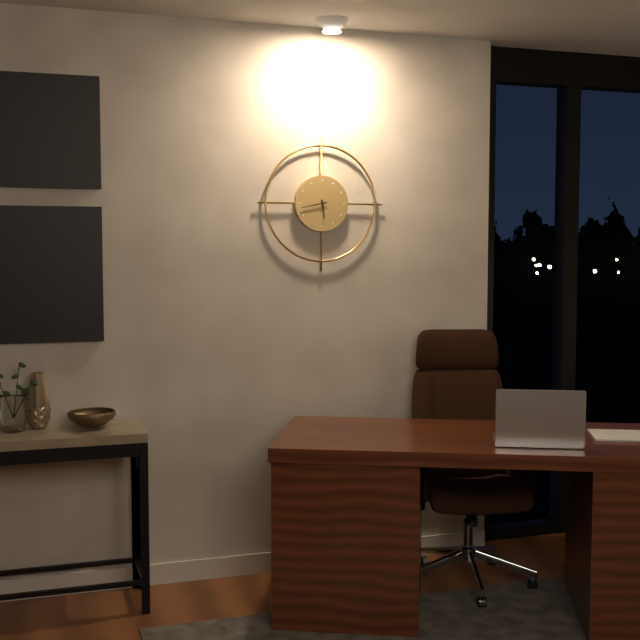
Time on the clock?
5:43
